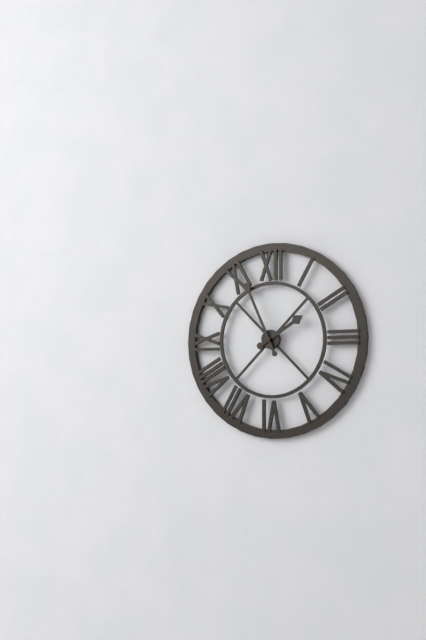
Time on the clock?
1:56
